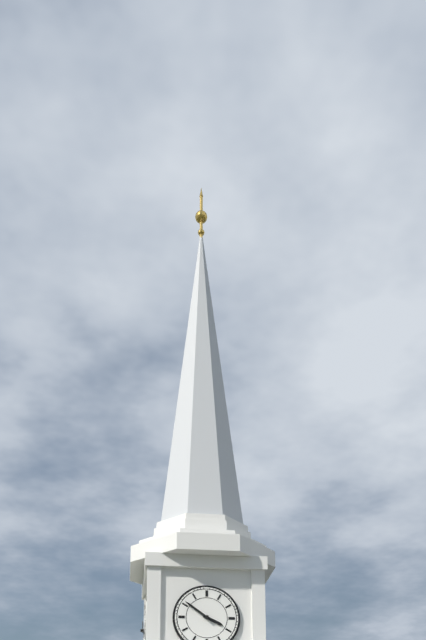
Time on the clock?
3:51
